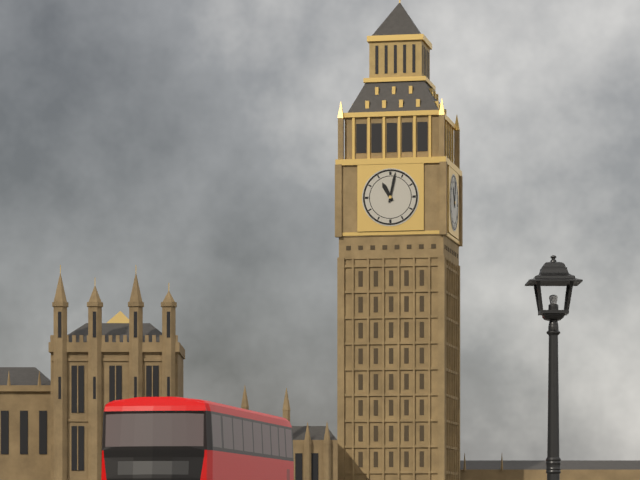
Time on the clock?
11:02
